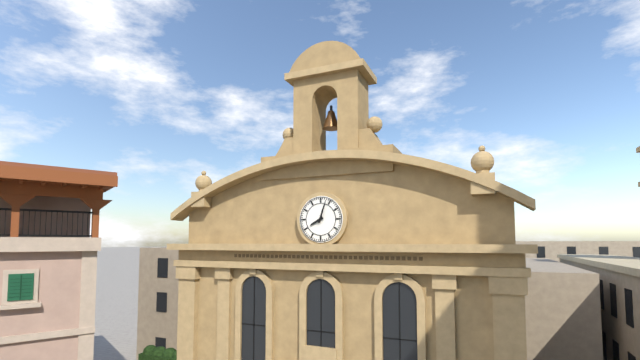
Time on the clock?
8:03
